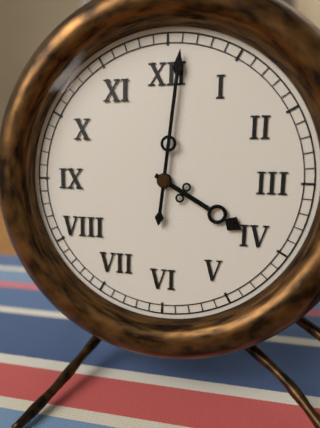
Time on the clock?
4:01
